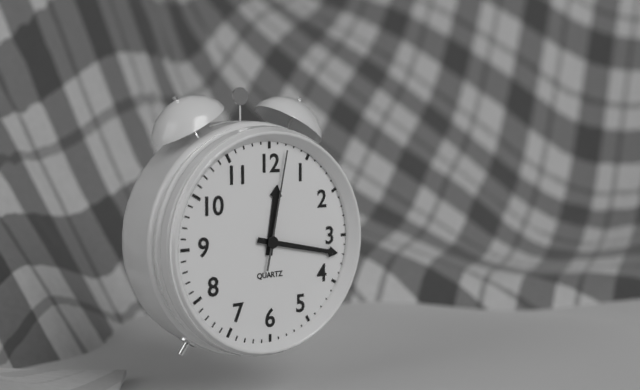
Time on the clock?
12:17:02
